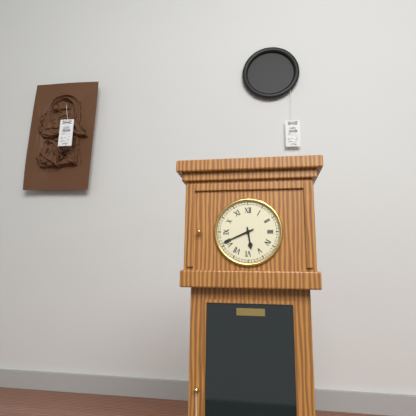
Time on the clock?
5:41
